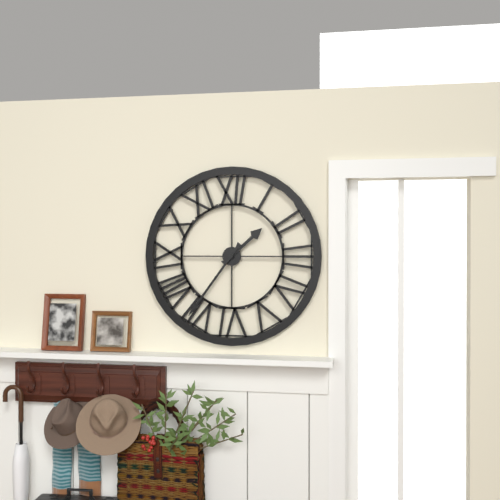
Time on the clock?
1:36
